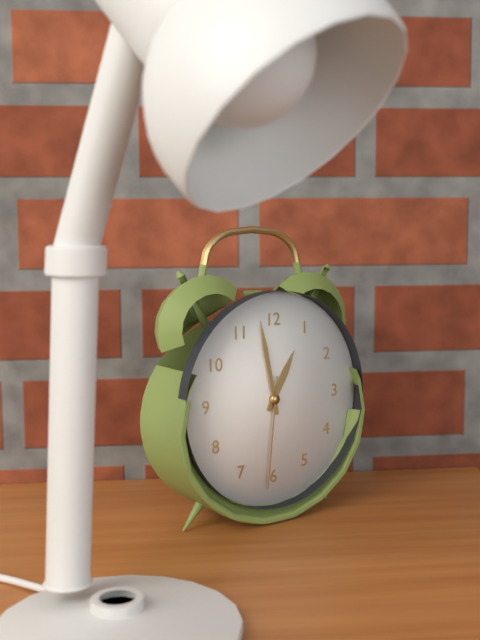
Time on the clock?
12:58:31
